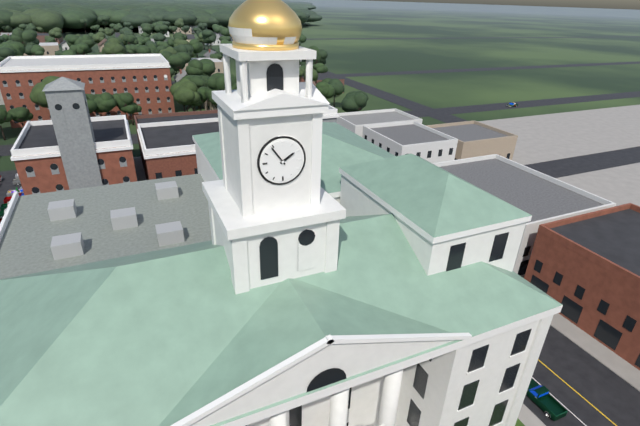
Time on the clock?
1:54
